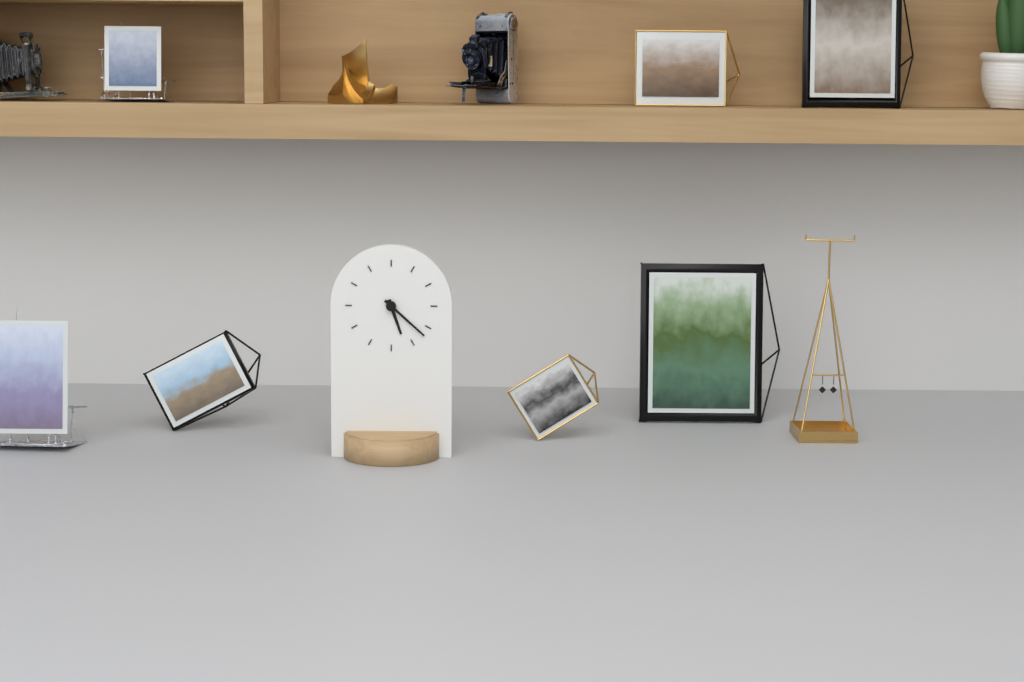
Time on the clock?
5:22
